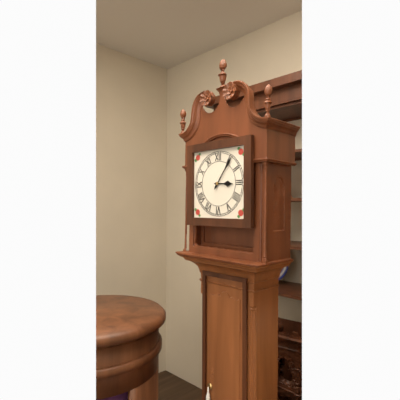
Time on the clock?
3:06
